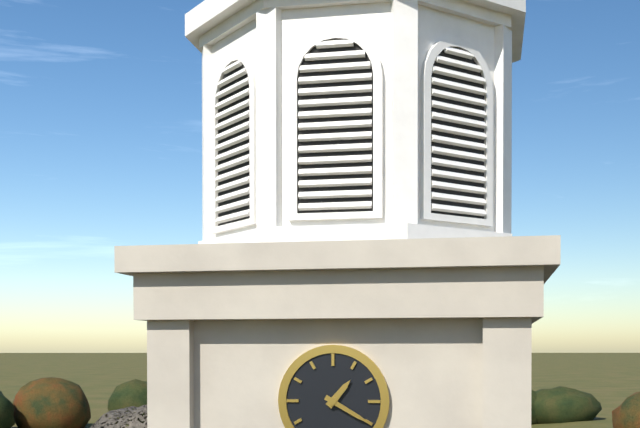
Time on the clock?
1:20
